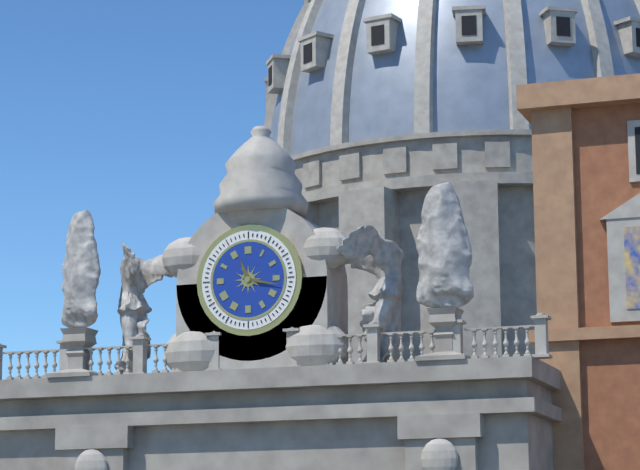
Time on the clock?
11:17
